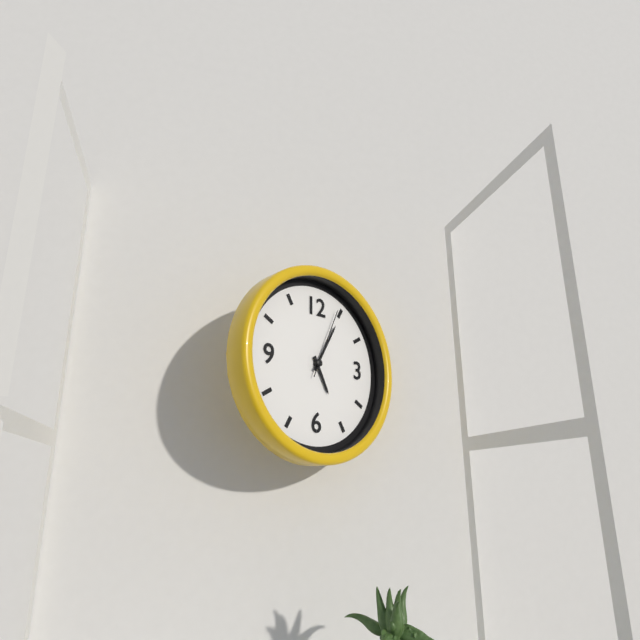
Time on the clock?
5:05:04
